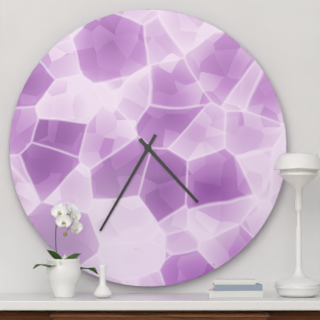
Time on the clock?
4:35
